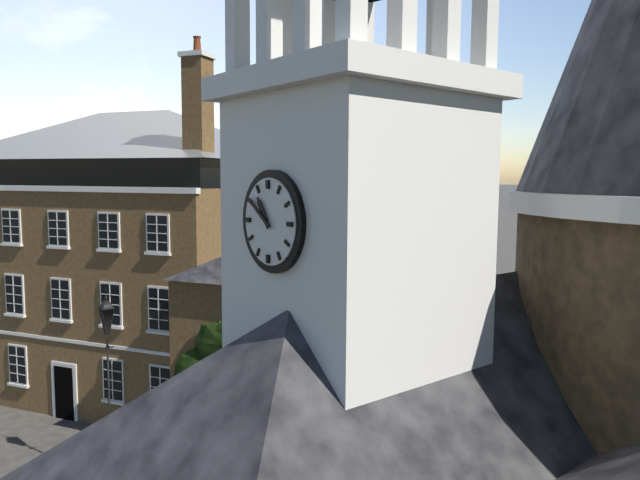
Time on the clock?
10:51
